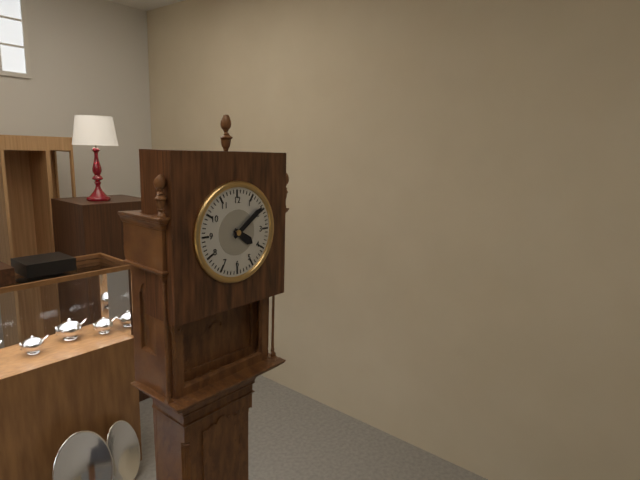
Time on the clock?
4:09
